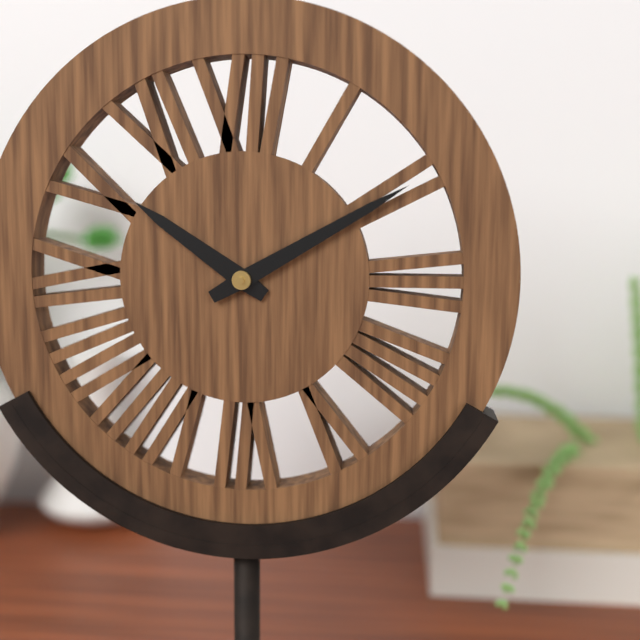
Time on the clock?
10:10
